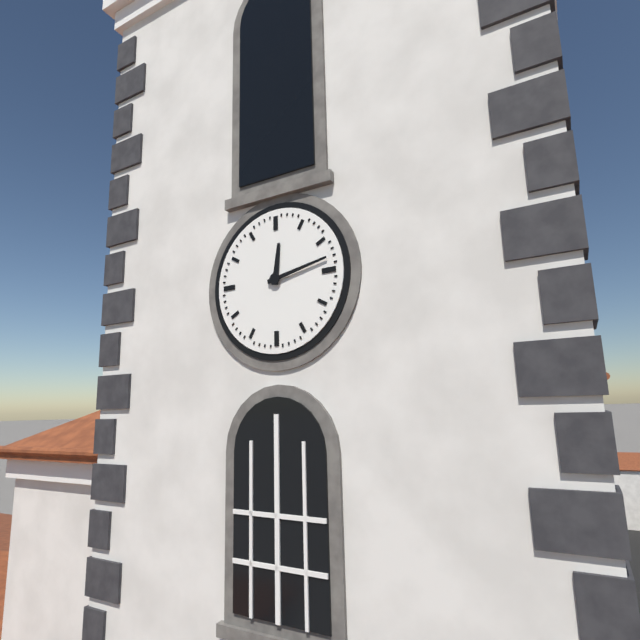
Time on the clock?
12:13
